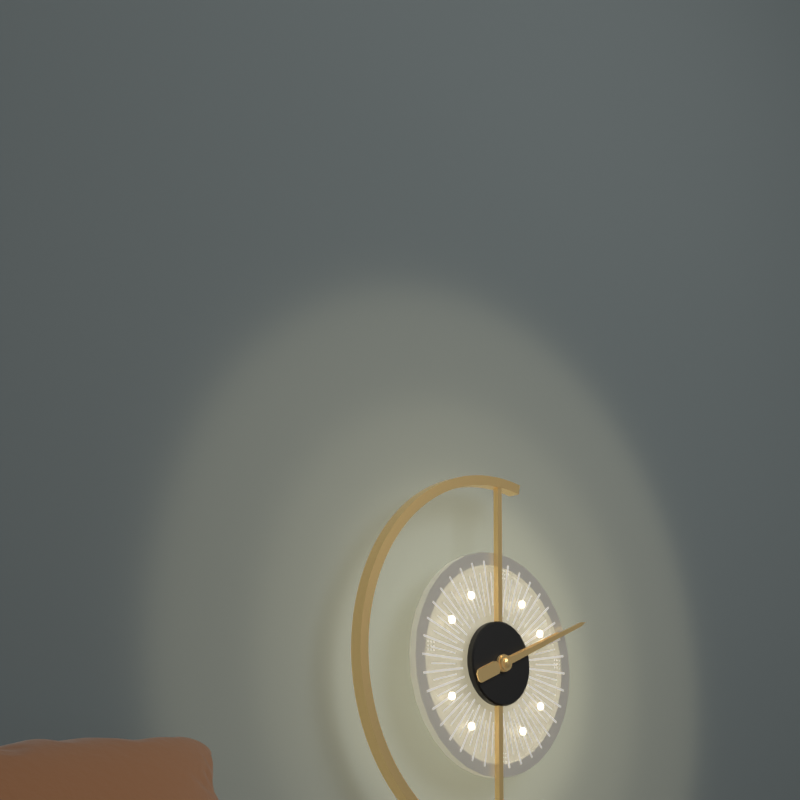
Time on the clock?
2:11
